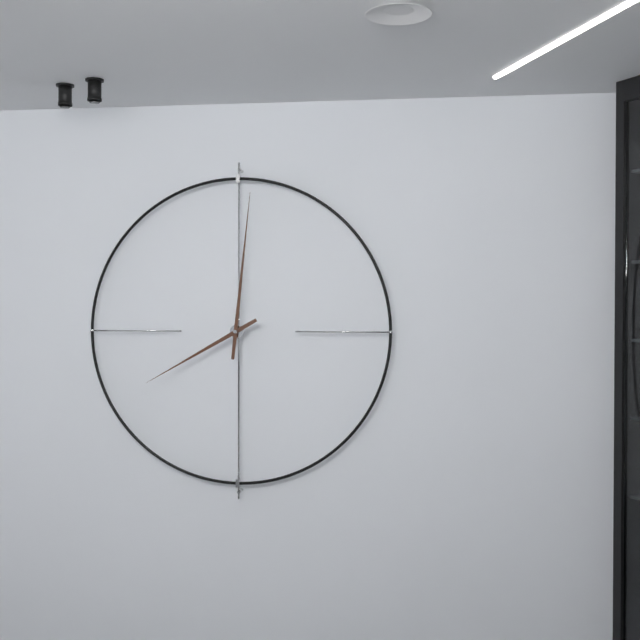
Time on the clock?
8:01
